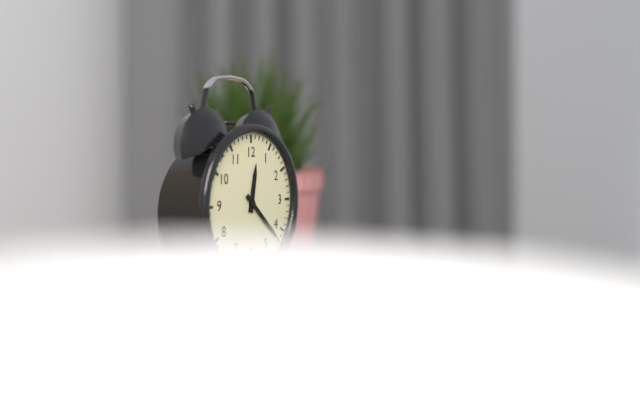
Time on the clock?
12:22
